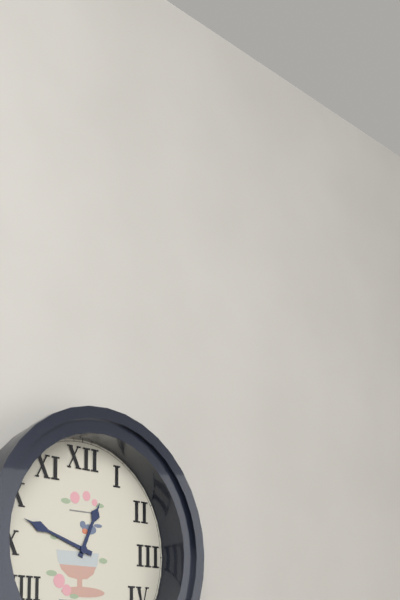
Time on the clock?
12:48
